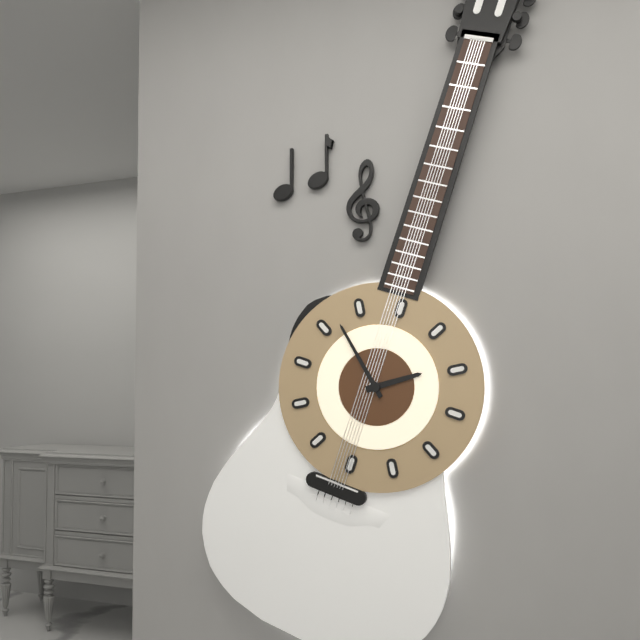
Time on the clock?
1:52
